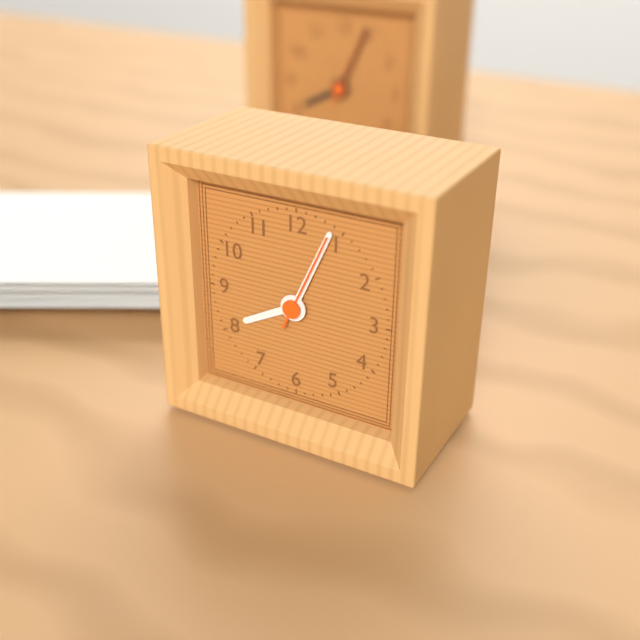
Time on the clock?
8:04:04
